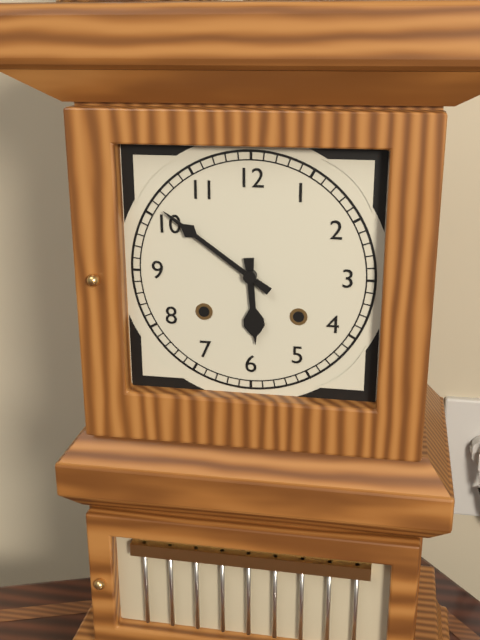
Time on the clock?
5:51
